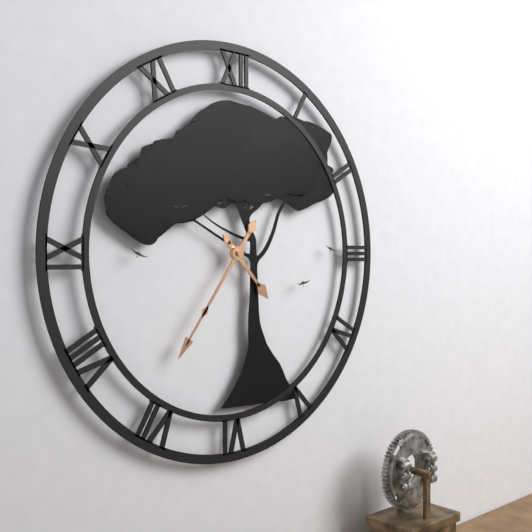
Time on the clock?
4:36
